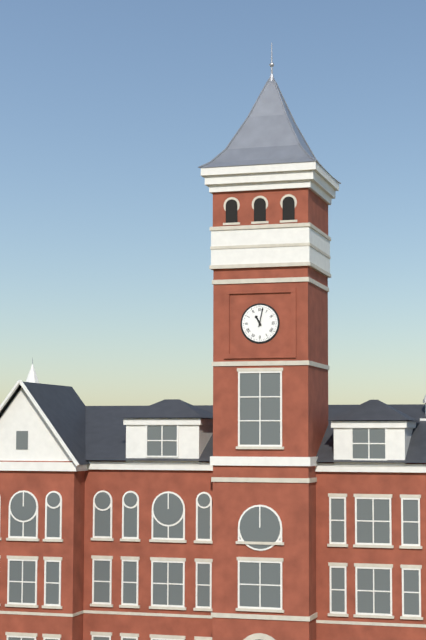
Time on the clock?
11:02
